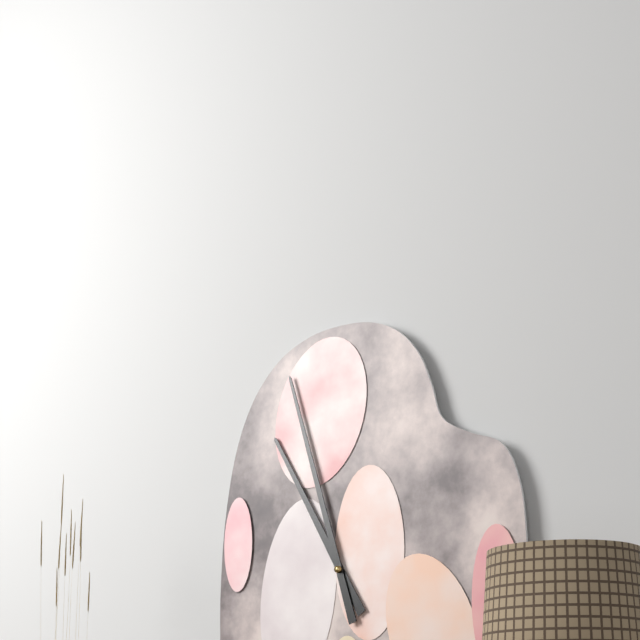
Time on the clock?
10:57
